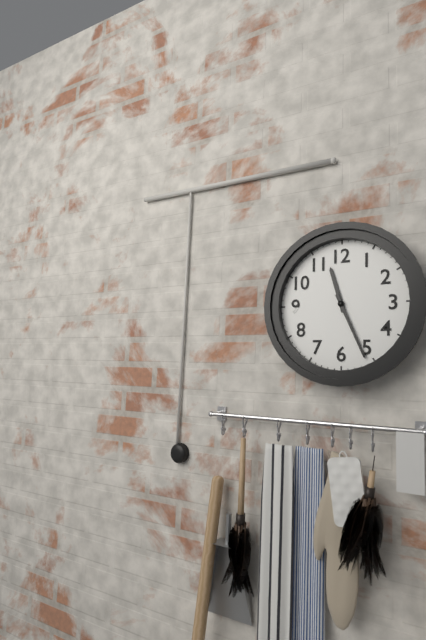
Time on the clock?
11:26
